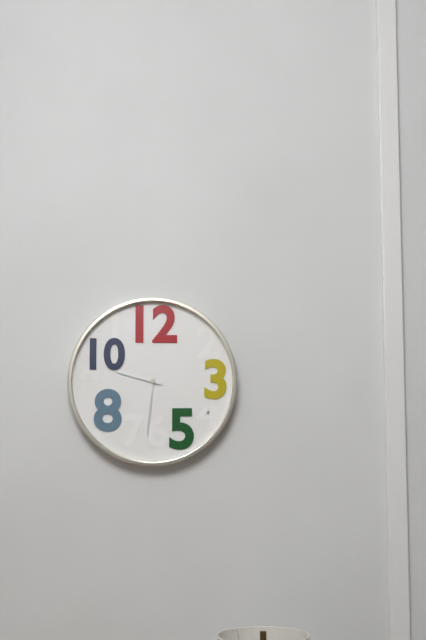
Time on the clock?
9:31
